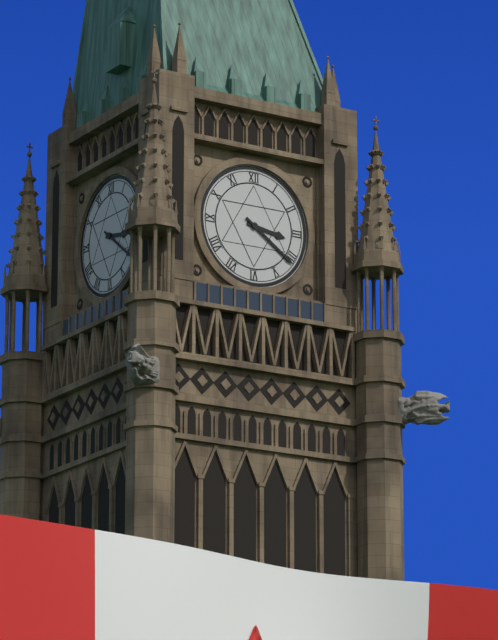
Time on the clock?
3:21
